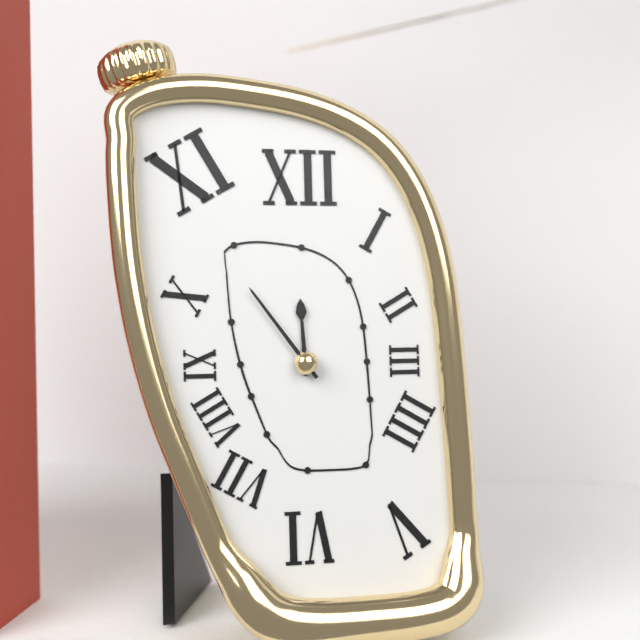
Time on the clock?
11:54
